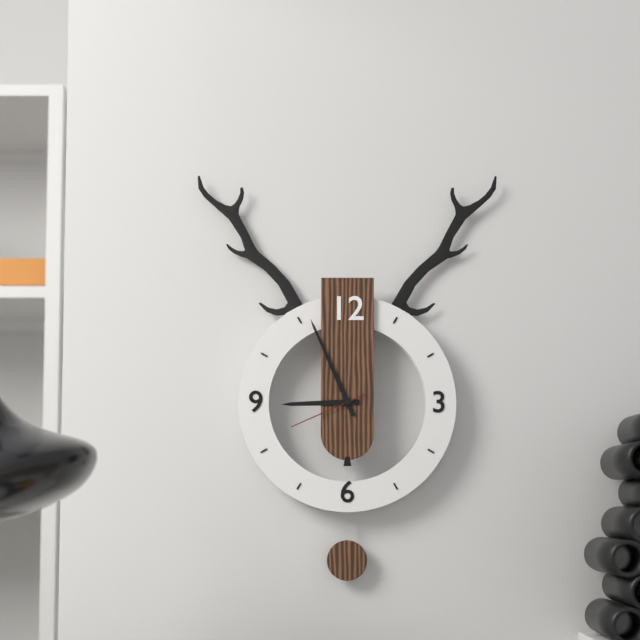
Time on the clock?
8:56:41
